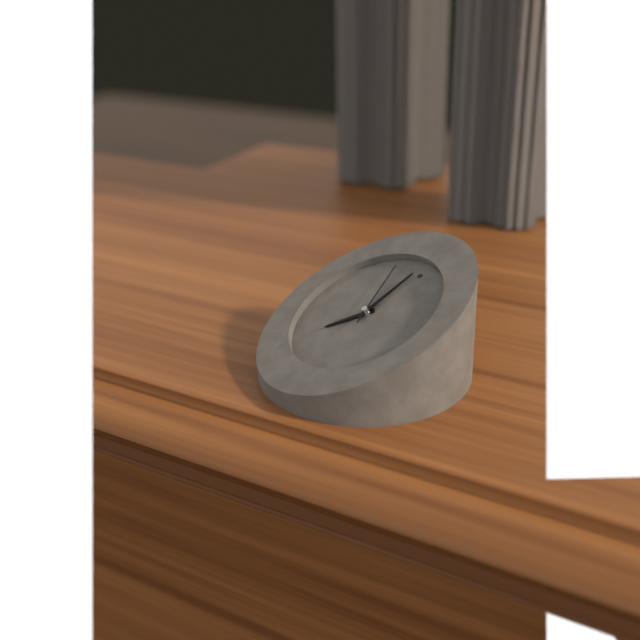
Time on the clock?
6:59:55
